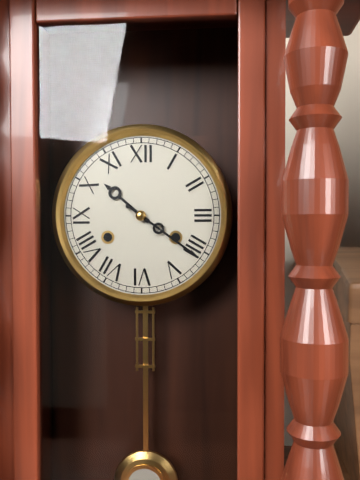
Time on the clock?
10:21
